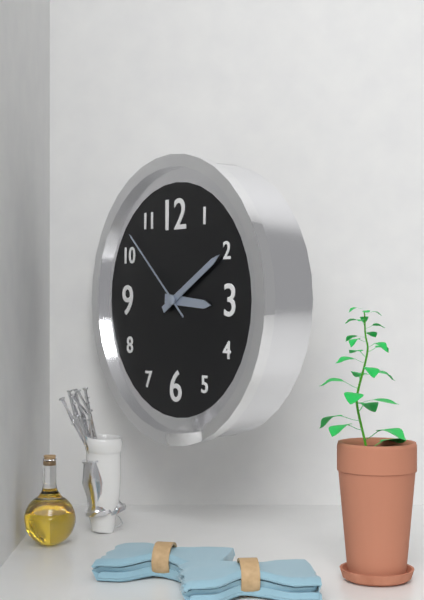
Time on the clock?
3:10:52
